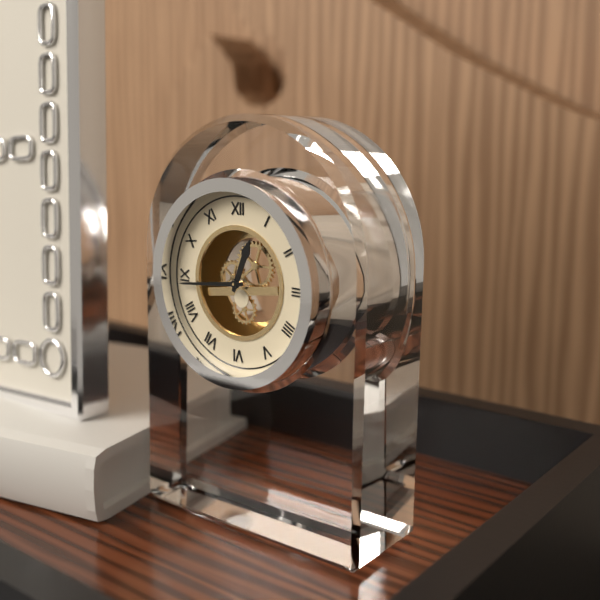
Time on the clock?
12:44
